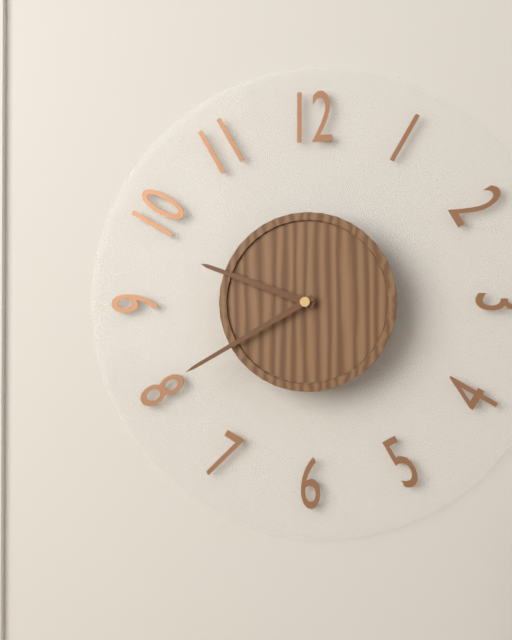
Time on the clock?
9:40
